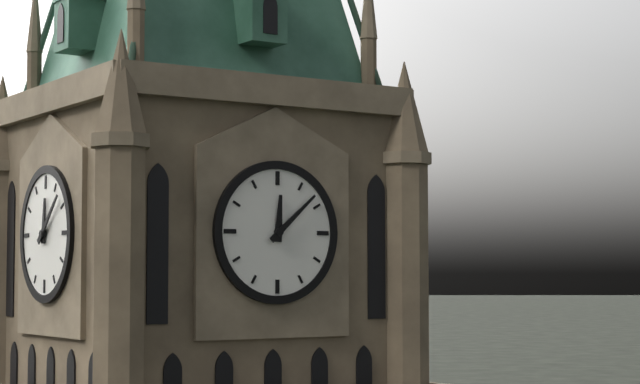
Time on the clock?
12:08
